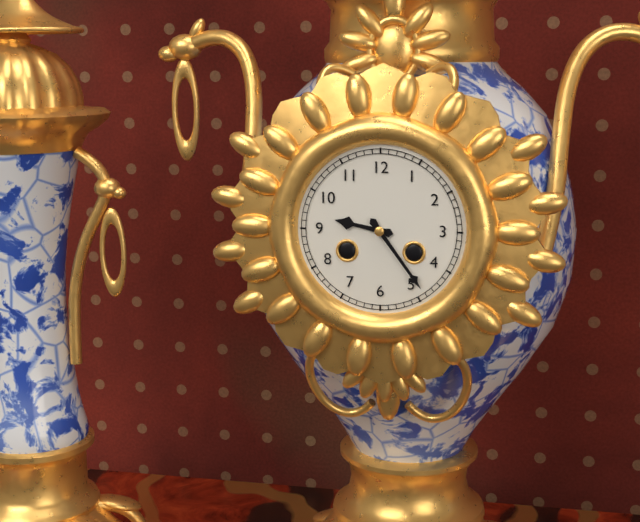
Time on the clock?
9:24
